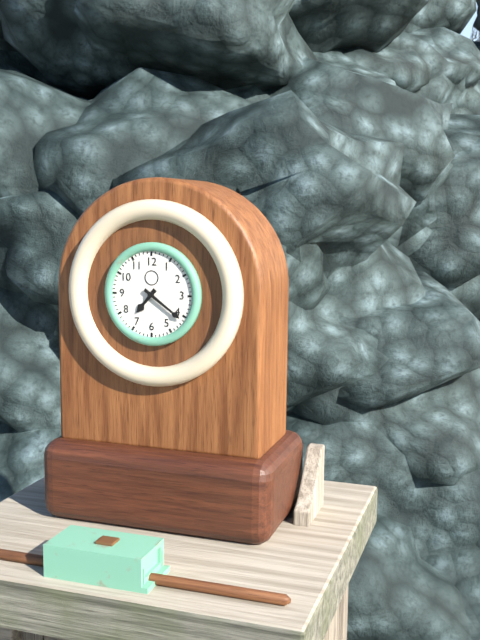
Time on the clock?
7:21
